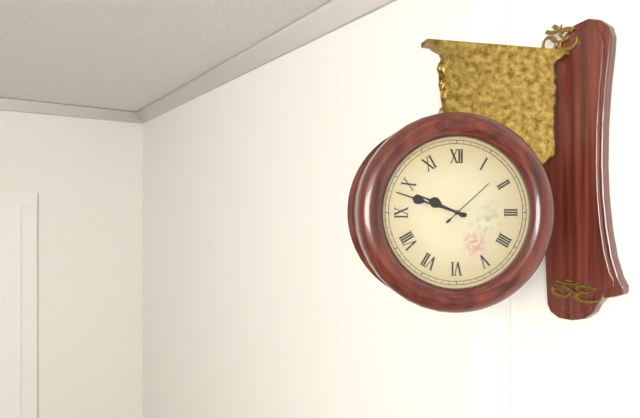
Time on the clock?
9:48:08
